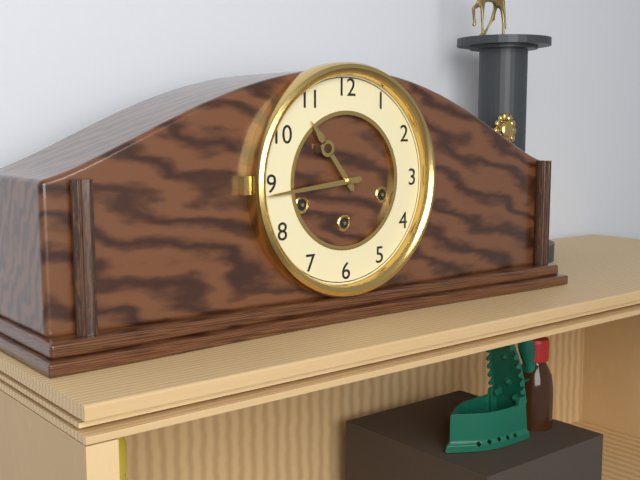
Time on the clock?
10:44
